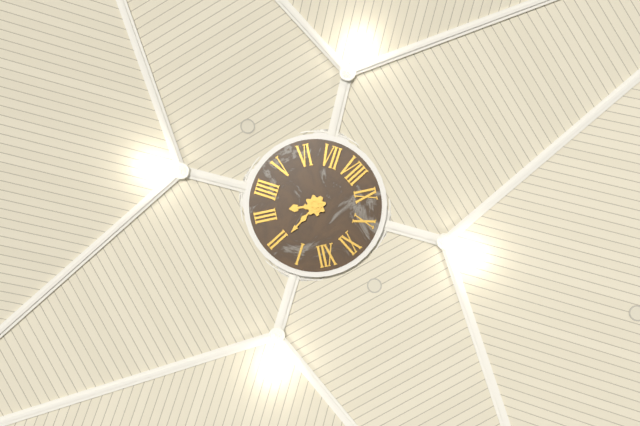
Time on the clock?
3:09
